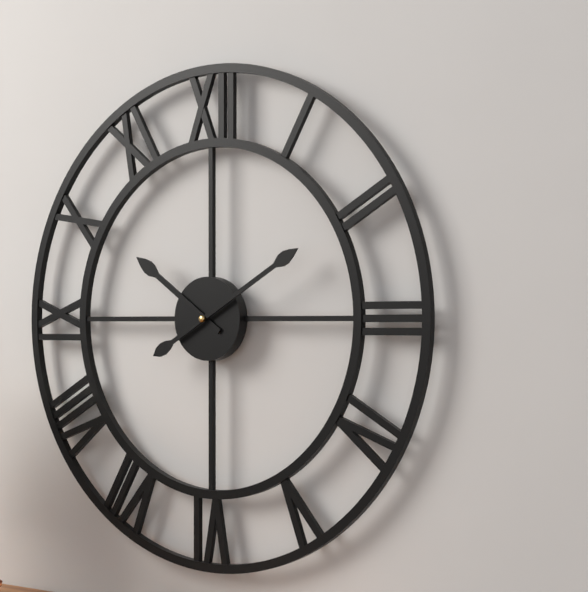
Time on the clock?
10:10
